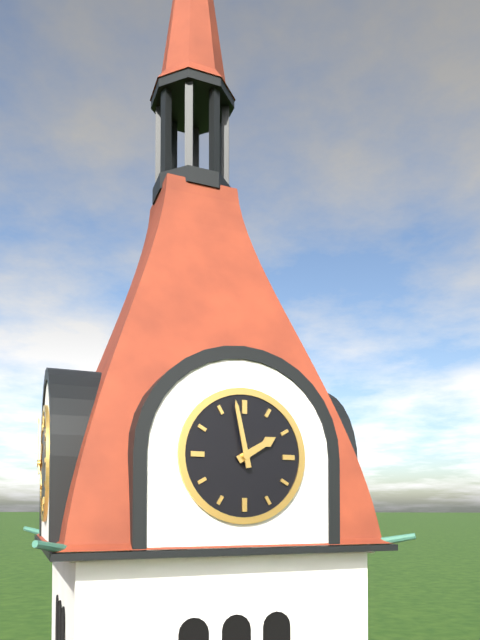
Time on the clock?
1:58
